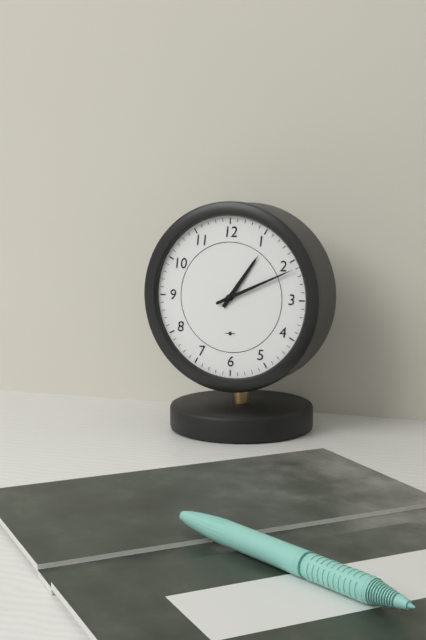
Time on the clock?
1:11
